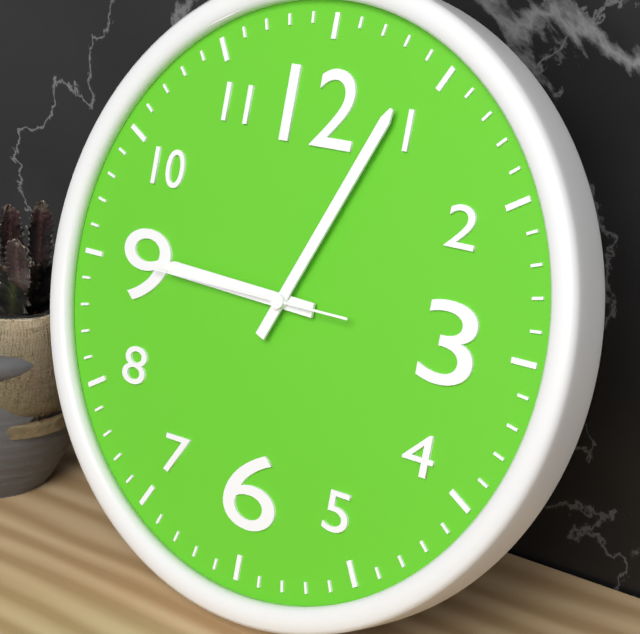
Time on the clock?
9:04:45
